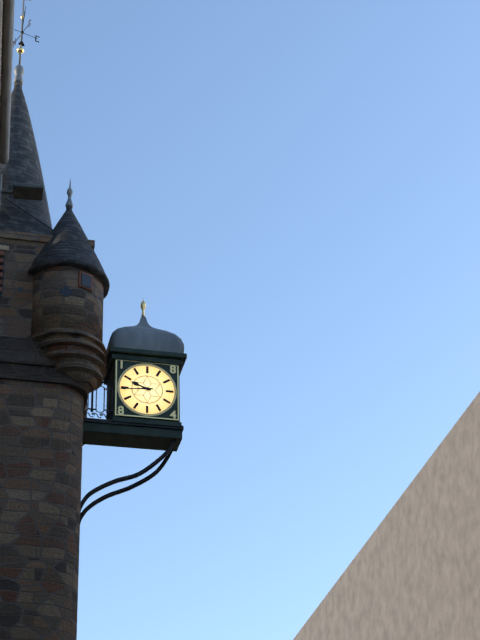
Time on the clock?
9:44
